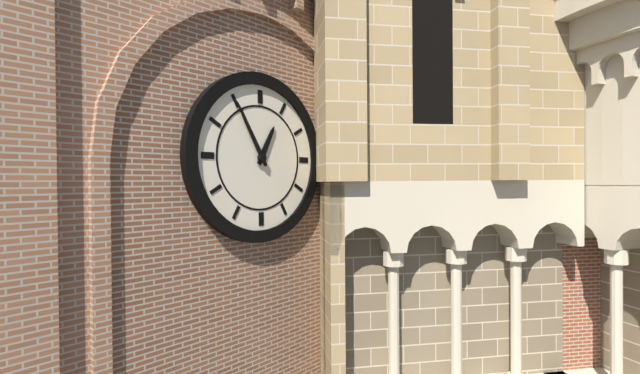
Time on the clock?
12:55
